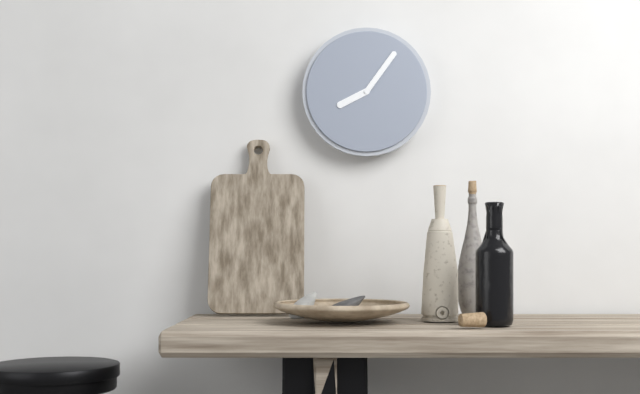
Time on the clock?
8:06
